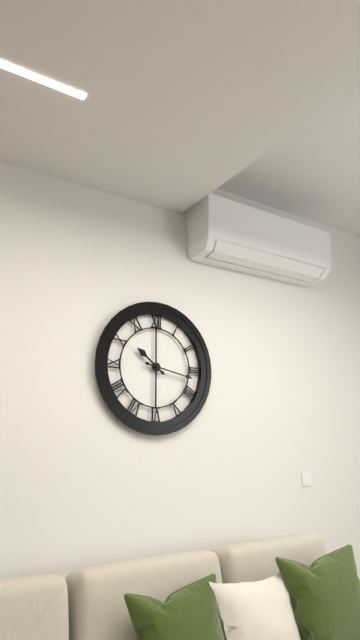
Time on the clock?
10:17
